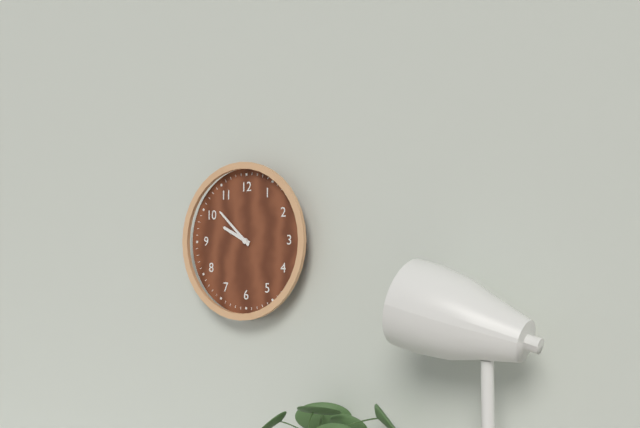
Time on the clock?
9:52
